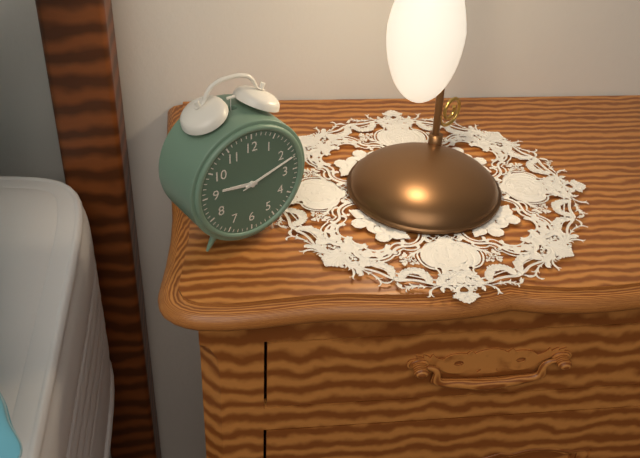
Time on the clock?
9:12:12
